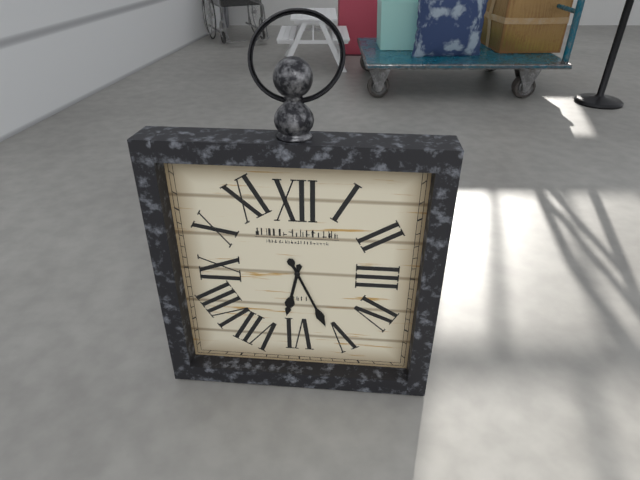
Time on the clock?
6:26
